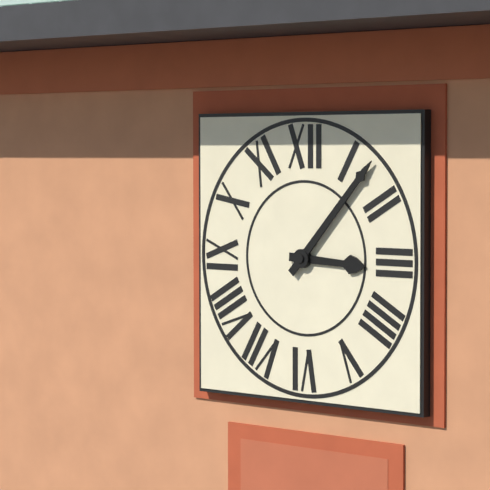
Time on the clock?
3:07
